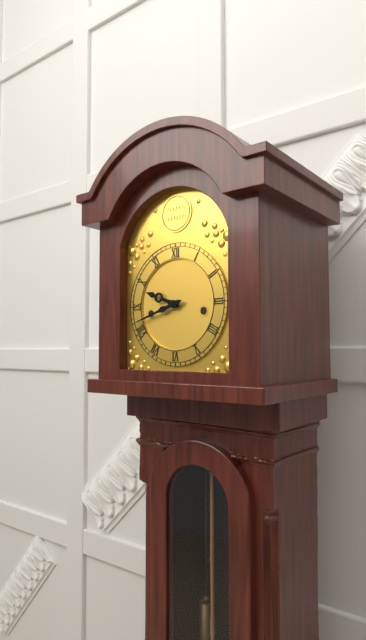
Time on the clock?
9:42
